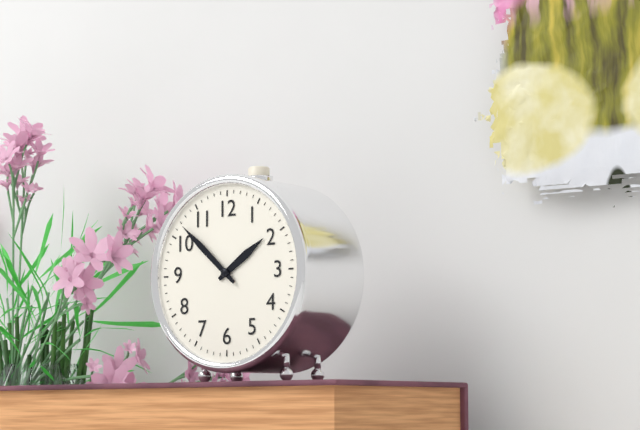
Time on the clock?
1:52
